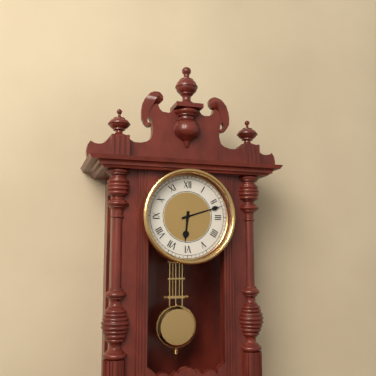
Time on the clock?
6:12
